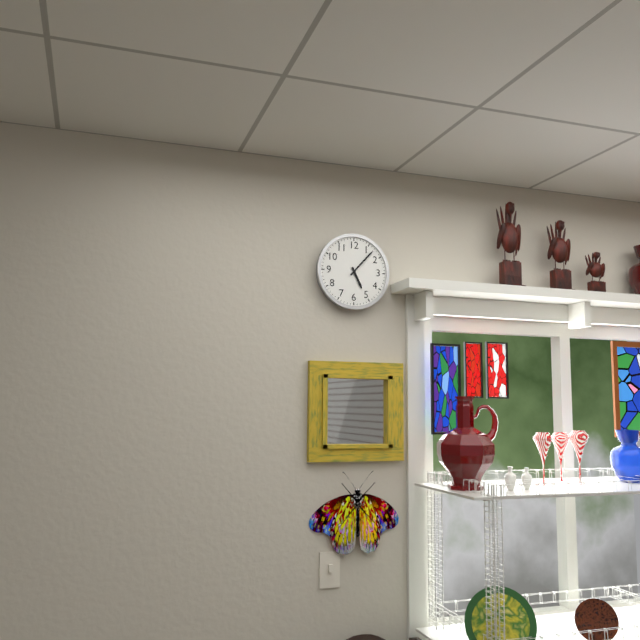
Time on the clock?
5:07
